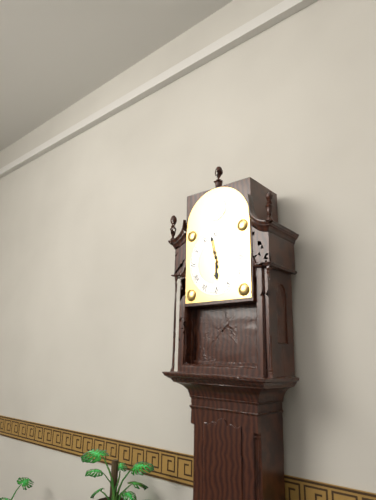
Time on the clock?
5:58
